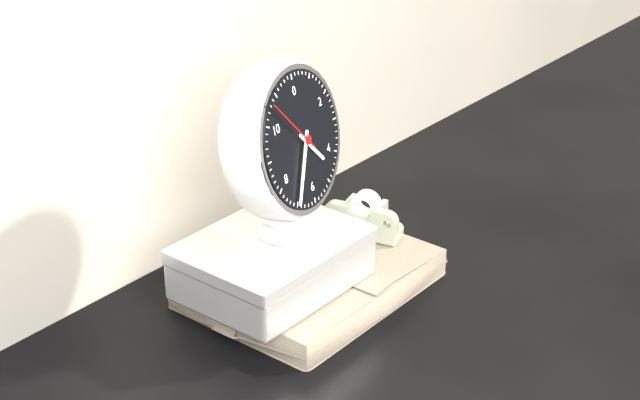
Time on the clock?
4:35:53
